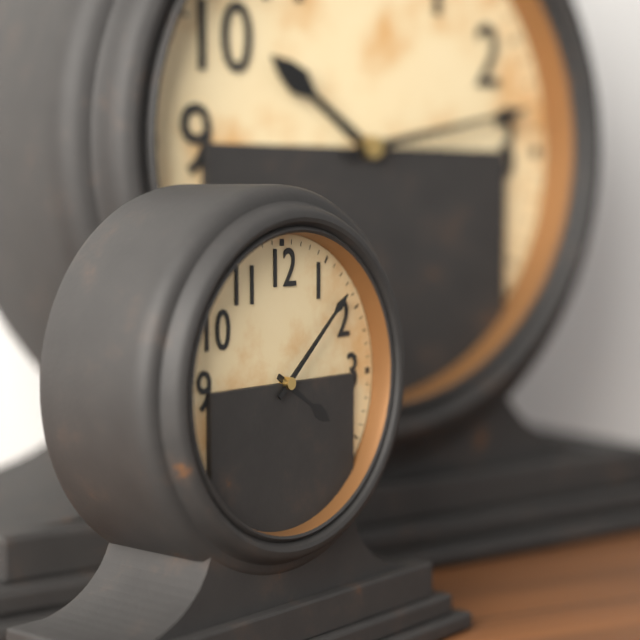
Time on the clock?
4:08
